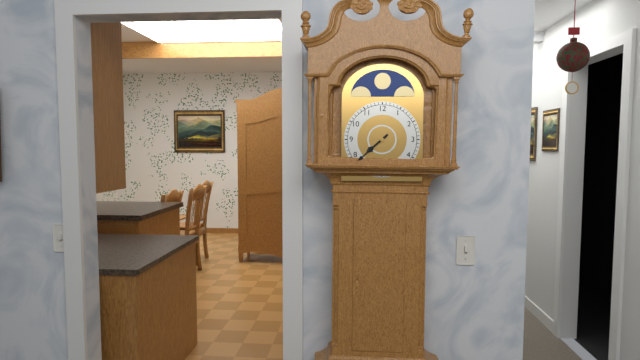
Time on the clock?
7:38
